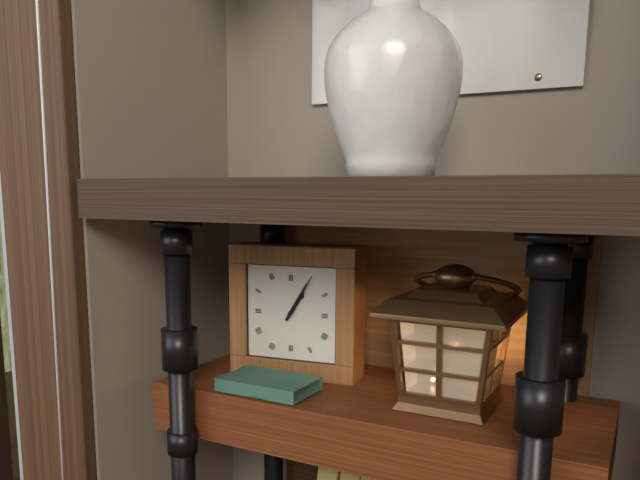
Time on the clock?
1:05
